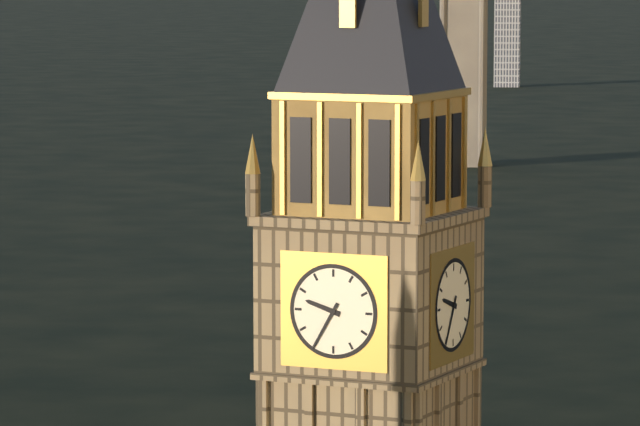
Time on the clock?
9:35
